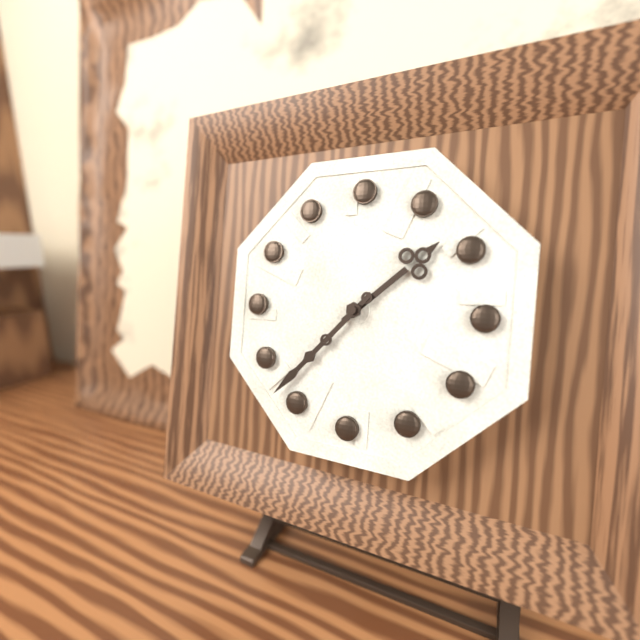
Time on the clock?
1:37
